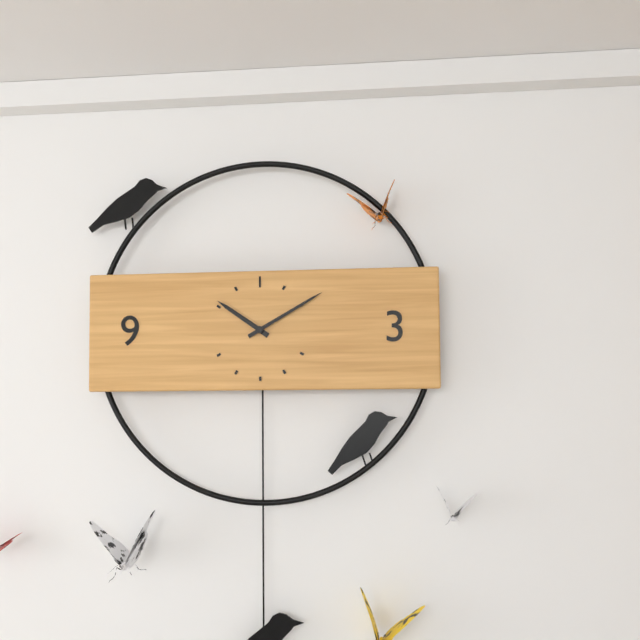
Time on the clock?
10:10
